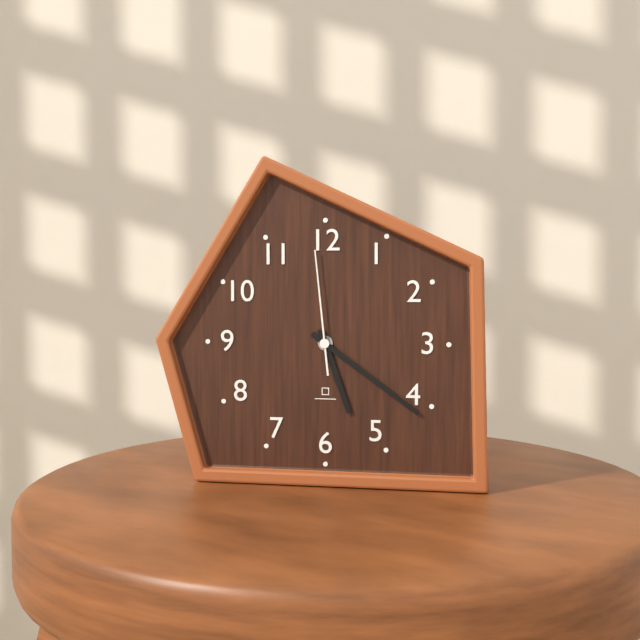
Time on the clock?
5:21:59
